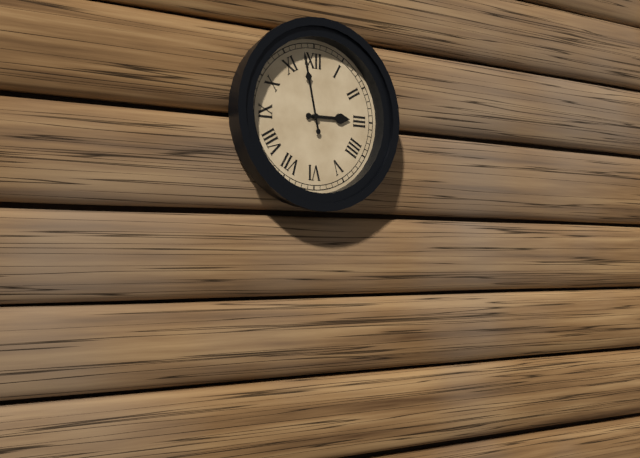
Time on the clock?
2:58
